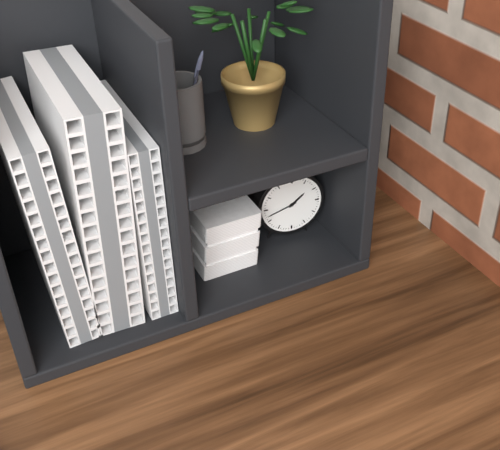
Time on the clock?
1:42
